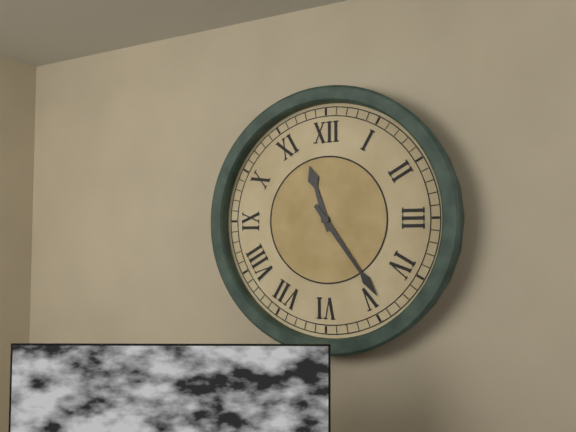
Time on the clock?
11:24
